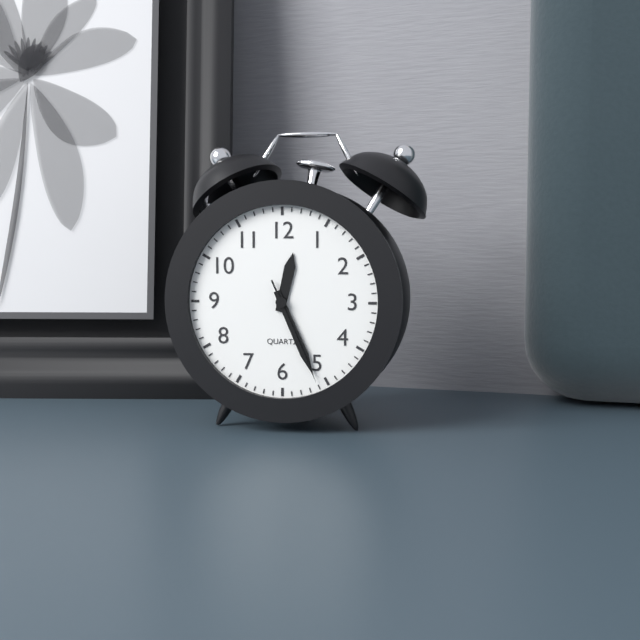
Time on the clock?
12:26:26
